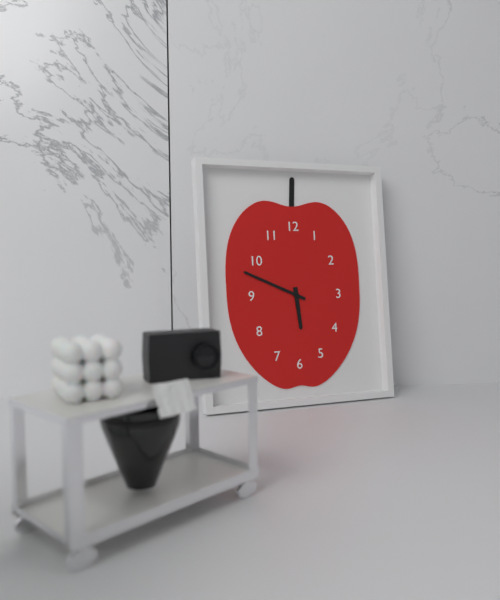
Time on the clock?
5:49
